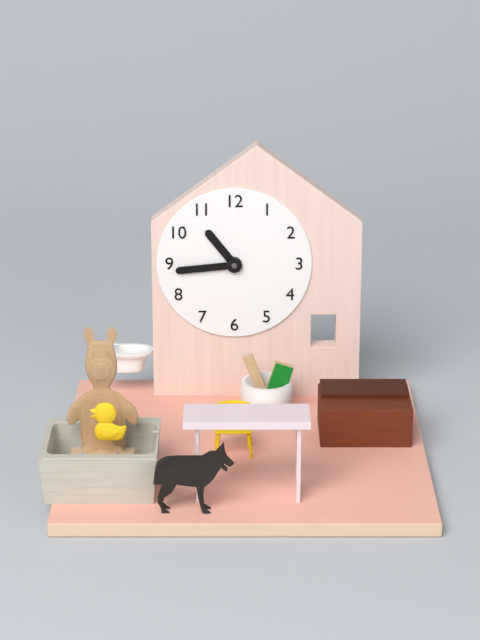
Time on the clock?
10:44
